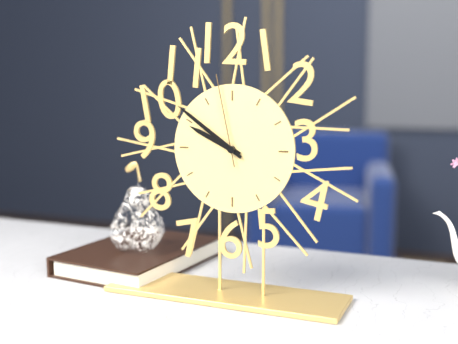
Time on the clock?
9:51:58
